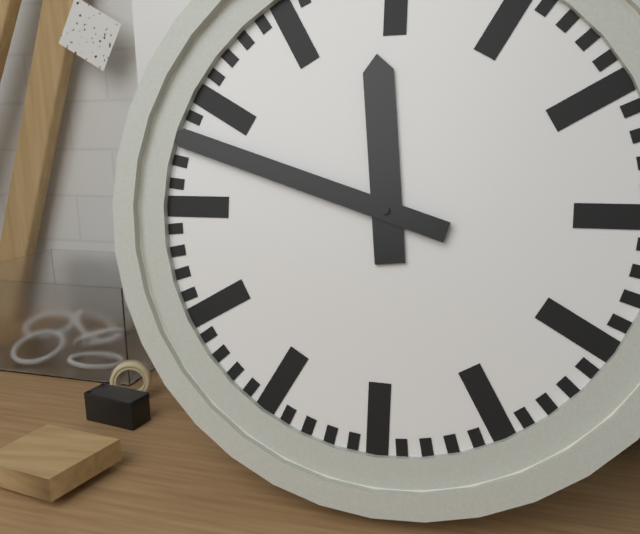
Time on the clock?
11:48
